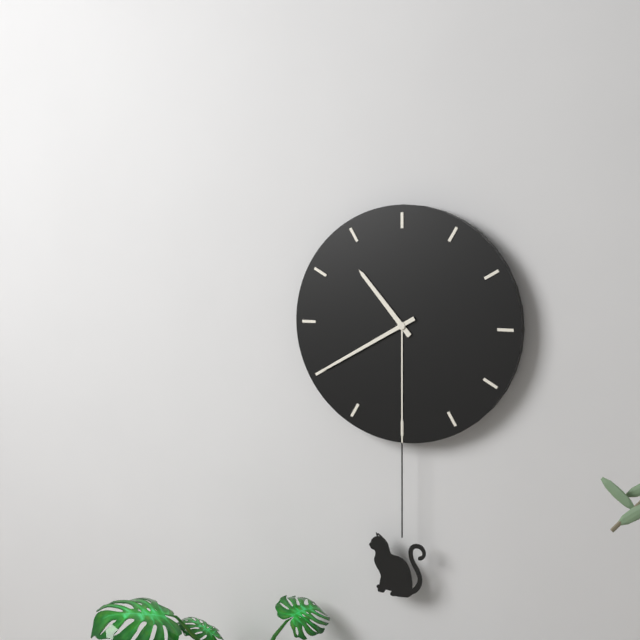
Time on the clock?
10:40
